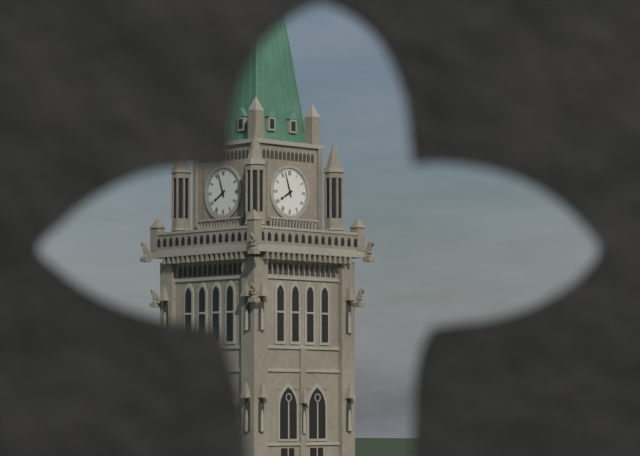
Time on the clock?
7:57
